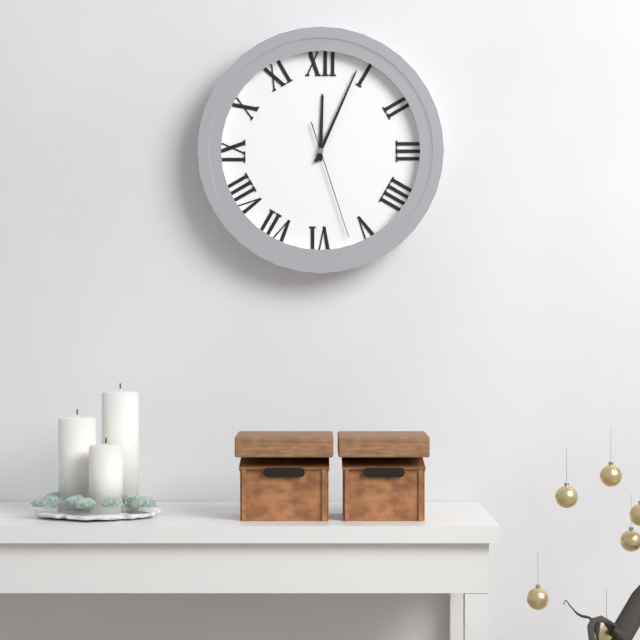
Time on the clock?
12:04:27
